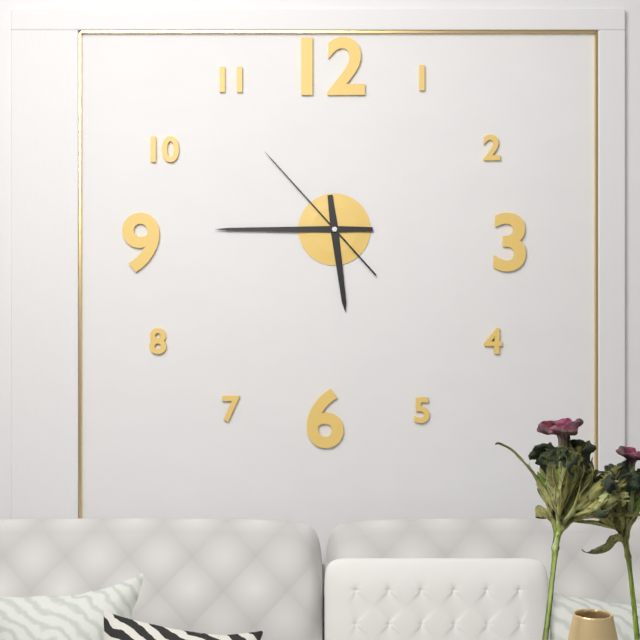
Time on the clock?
5:45:53
